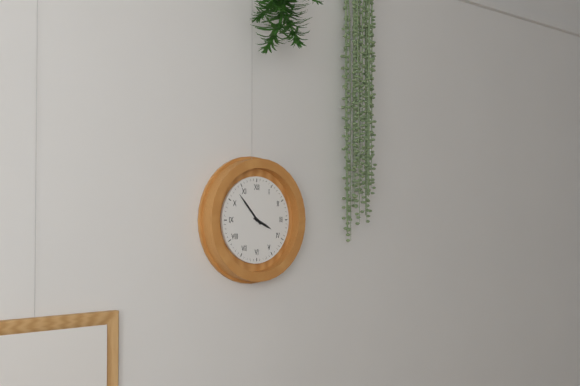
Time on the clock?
3:53
